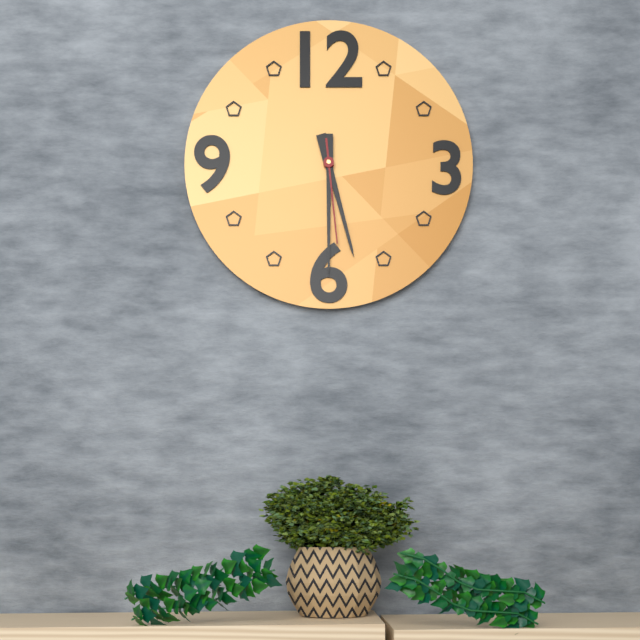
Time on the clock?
5:30:29
